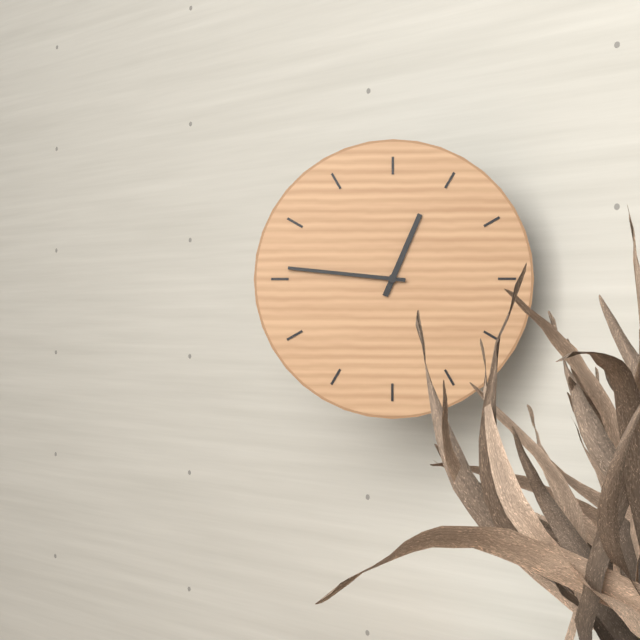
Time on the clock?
12:46
